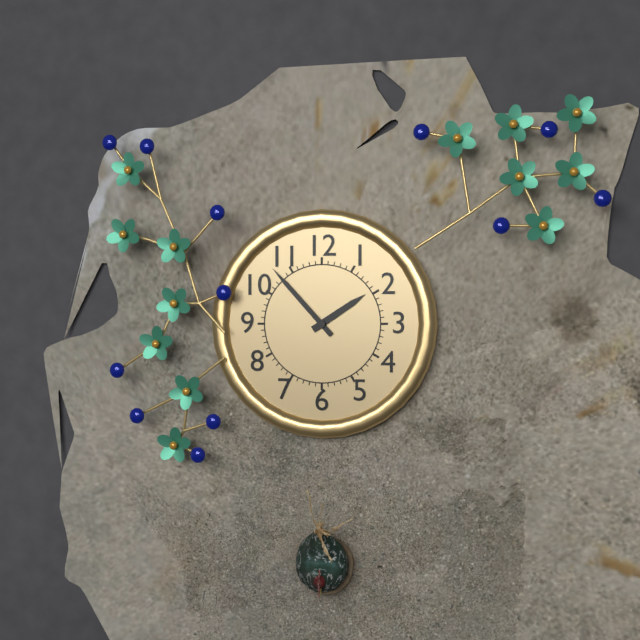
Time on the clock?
1:53
